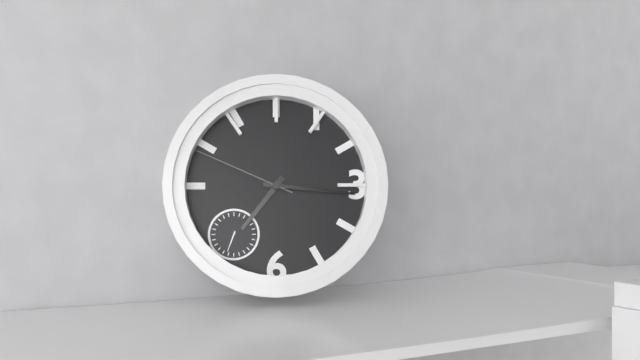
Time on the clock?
7:16:49
